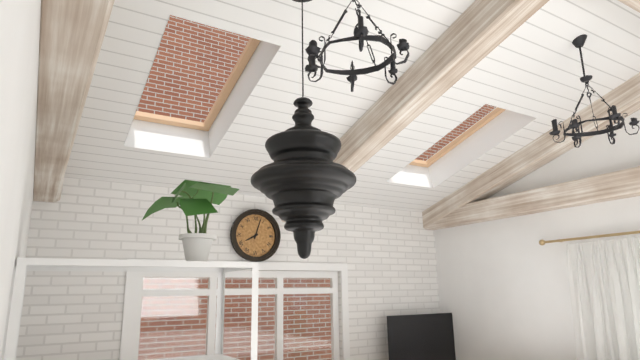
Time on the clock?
8:03
